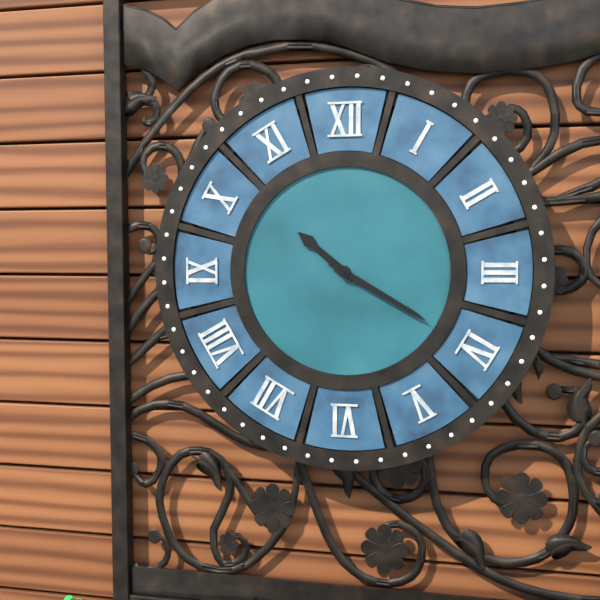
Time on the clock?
10:20
